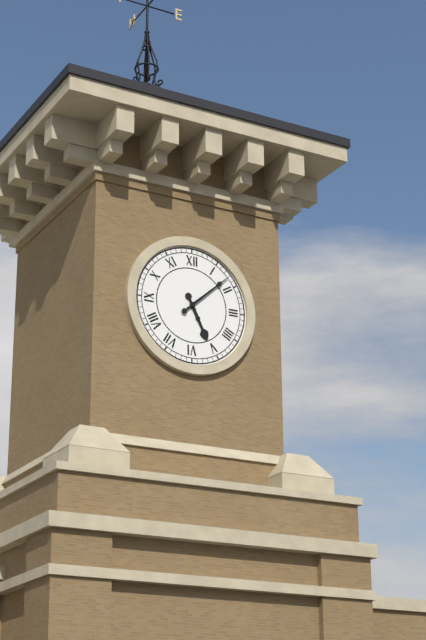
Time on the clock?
5:08
